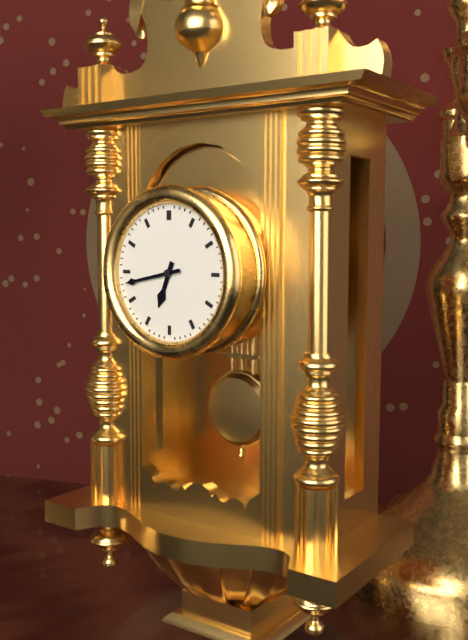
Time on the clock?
6:43
